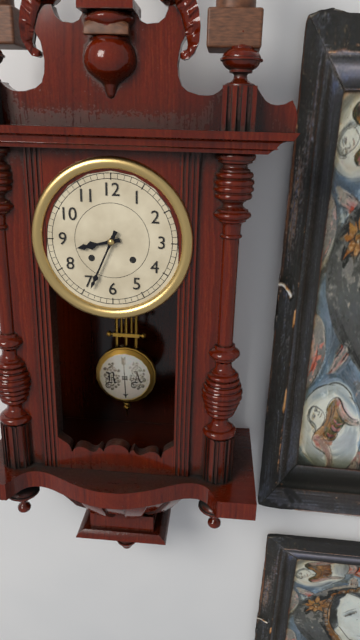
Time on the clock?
8:34
